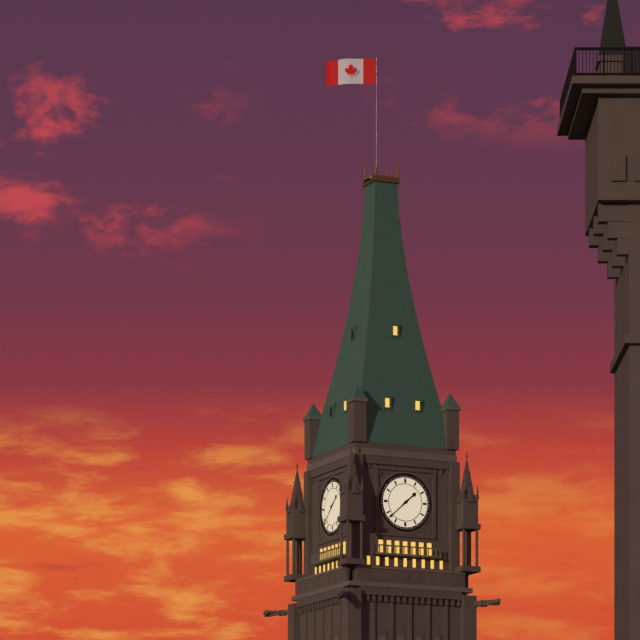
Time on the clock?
1:38
